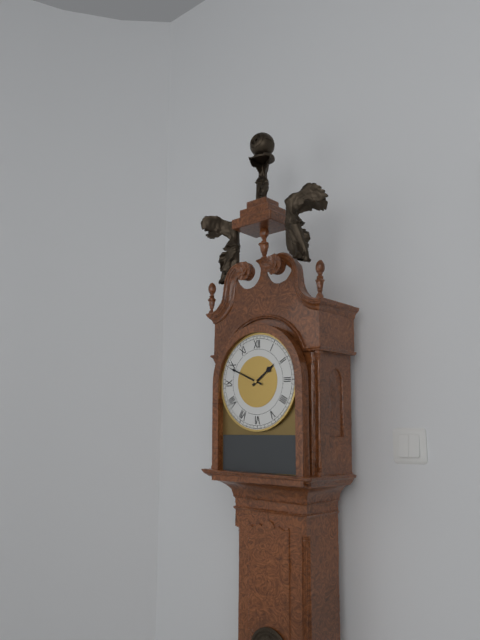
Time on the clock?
1:49
